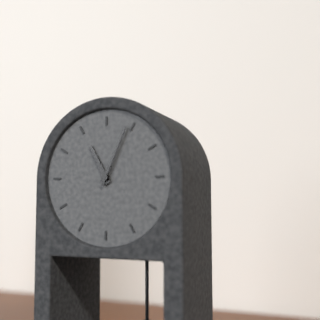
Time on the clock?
11:04
